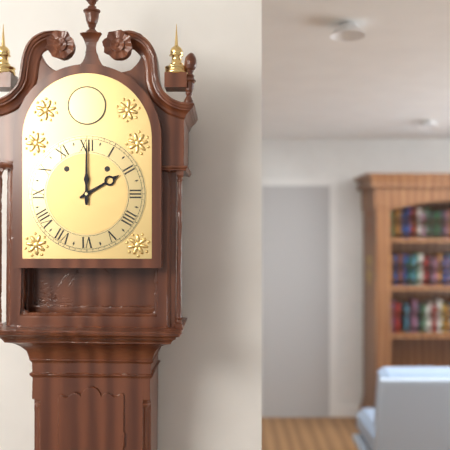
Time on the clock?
2:00
